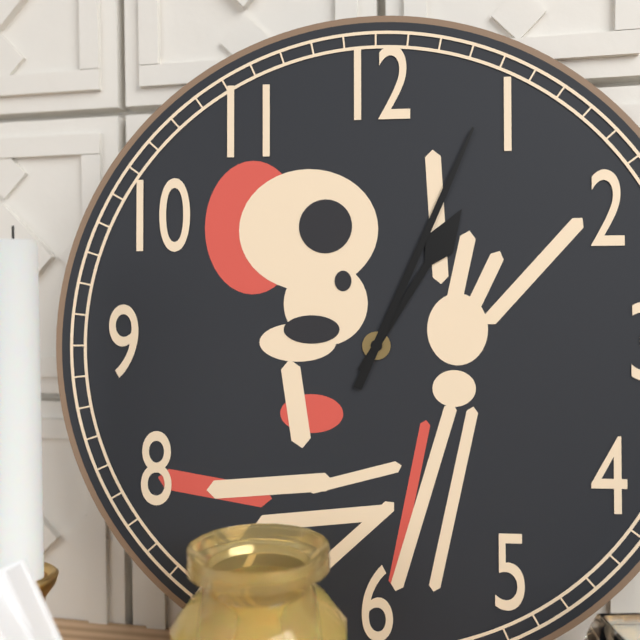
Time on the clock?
1:04
